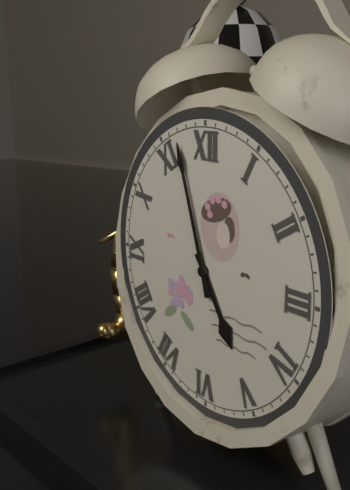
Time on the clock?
4:57
